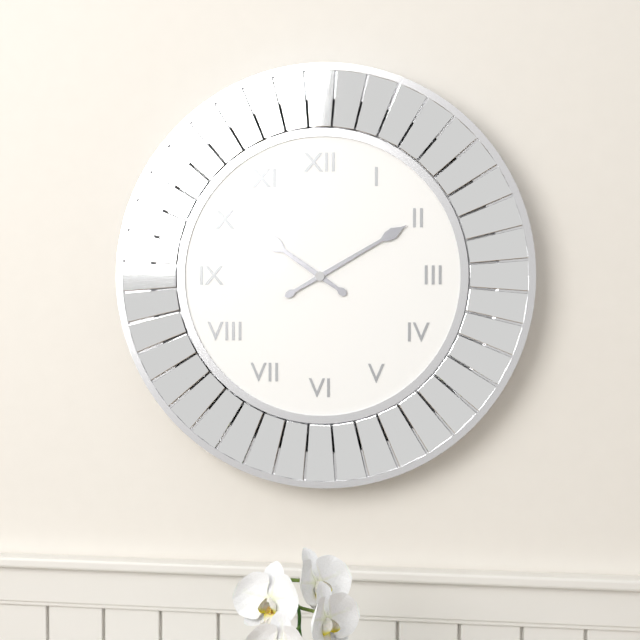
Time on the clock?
10:10
